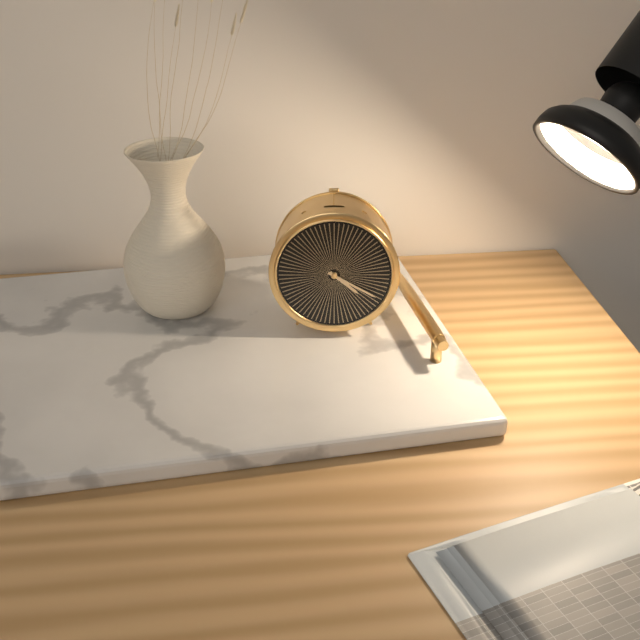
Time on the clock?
4:20
